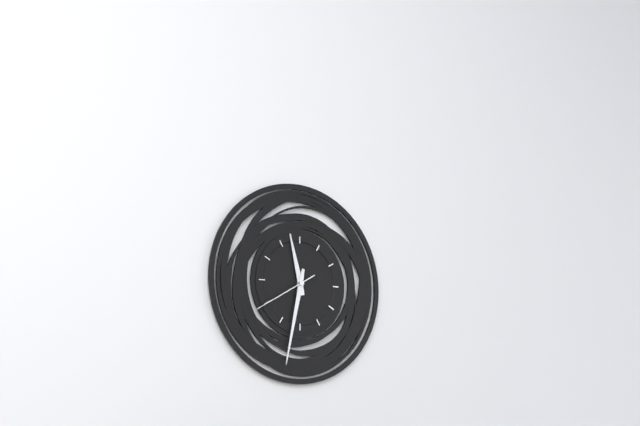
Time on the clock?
11:32:40
